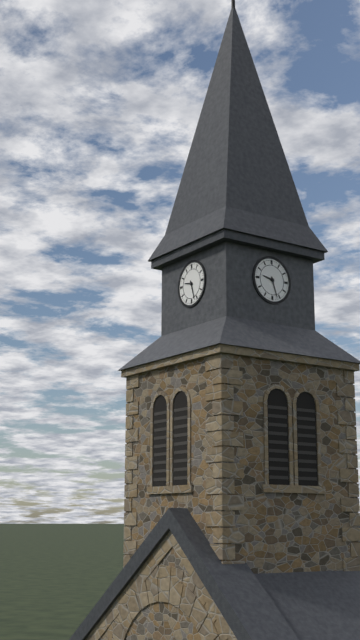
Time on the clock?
9:27
